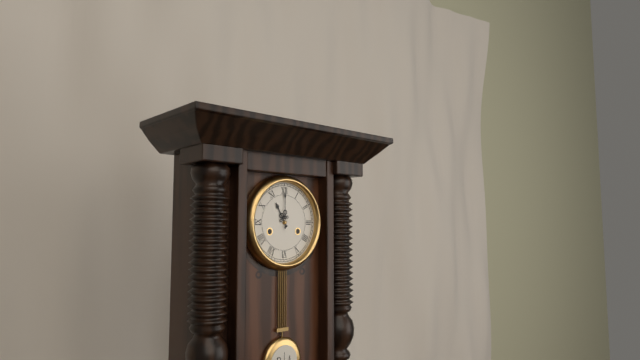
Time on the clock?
11:00
